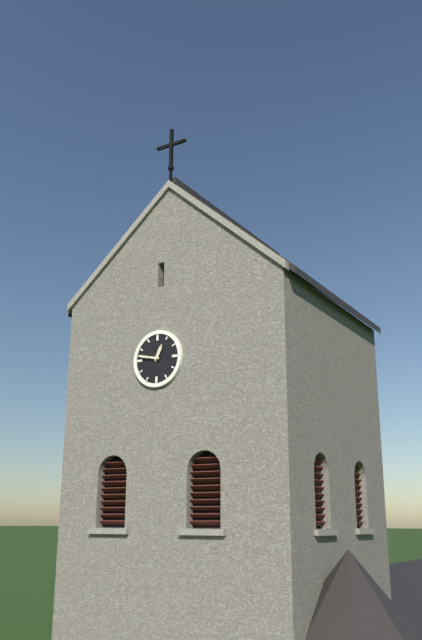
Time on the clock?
12:47
